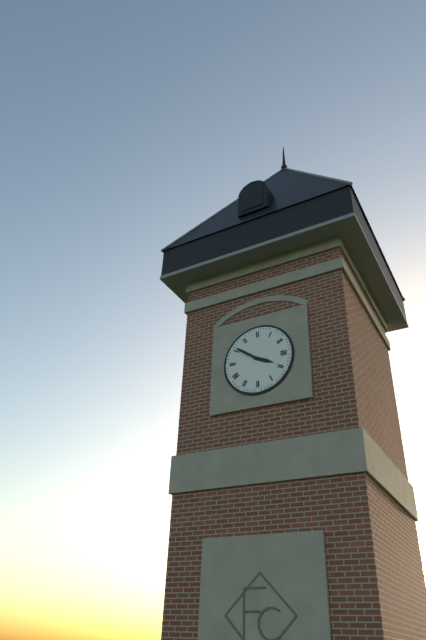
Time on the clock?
3:51
